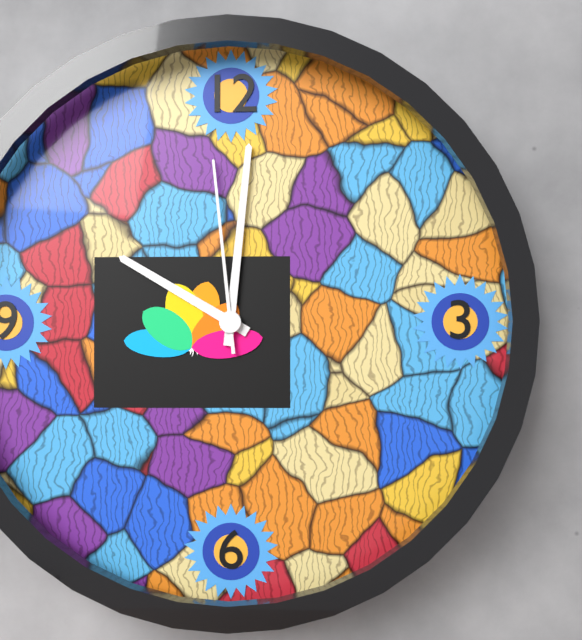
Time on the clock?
10:01:59
